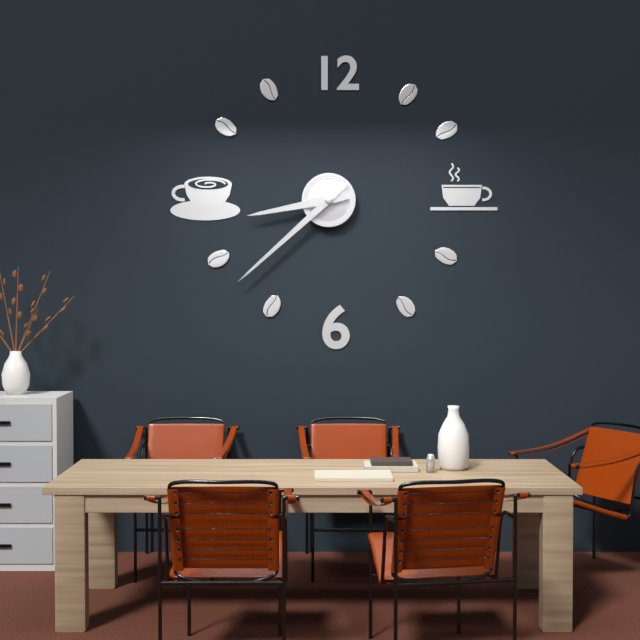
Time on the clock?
8:38
